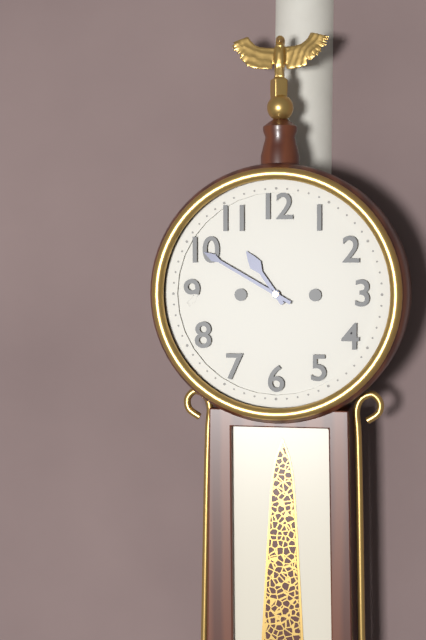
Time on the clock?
10:50
